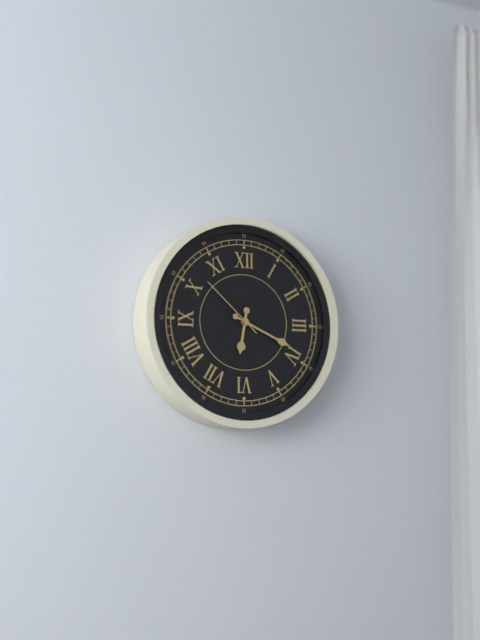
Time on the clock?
6:19:52
